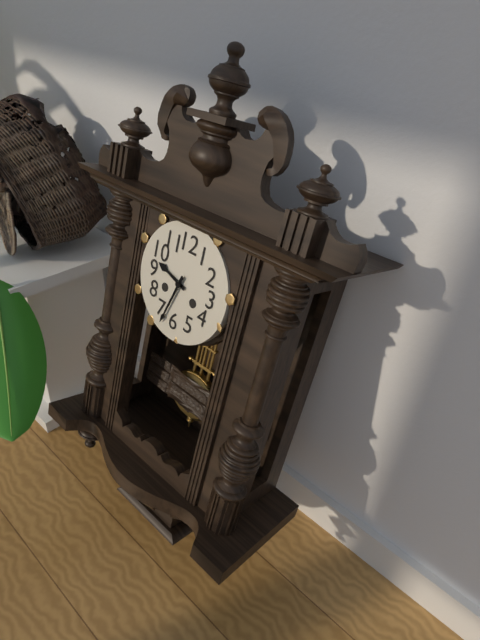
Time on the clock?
9:33
